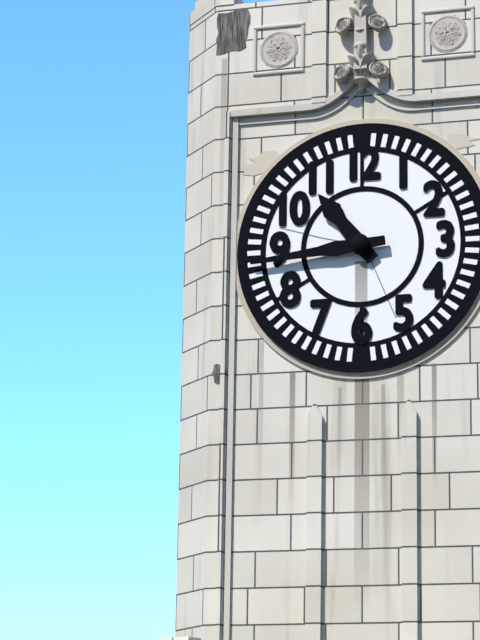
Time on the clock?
10:44
